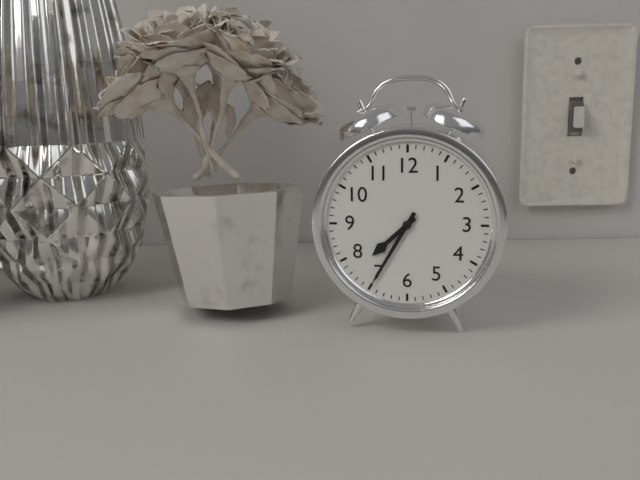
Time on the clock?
7:35
